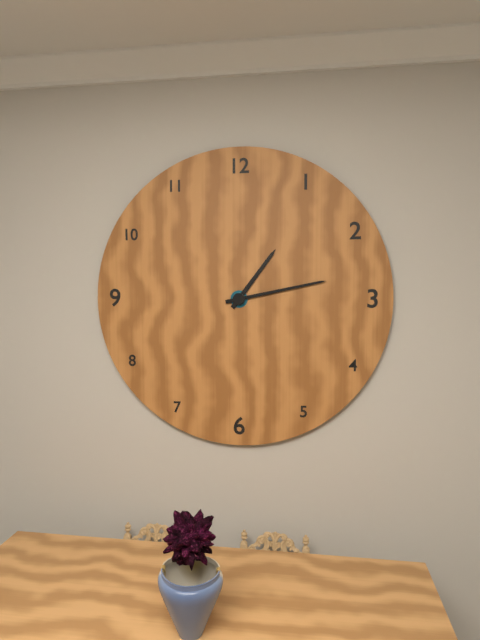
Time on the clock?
1:13
